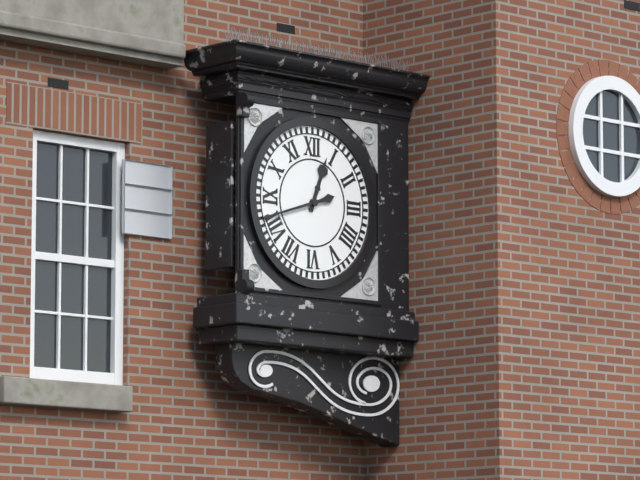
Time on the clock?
12:42
